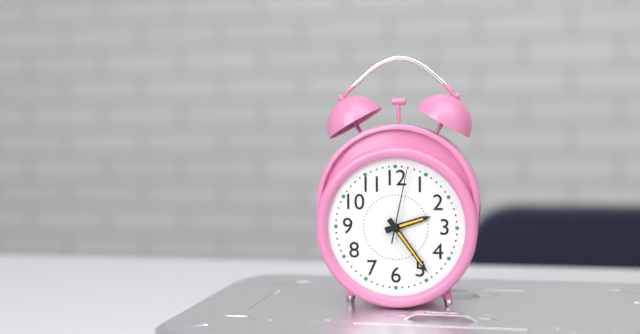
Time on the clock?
2:24:02
